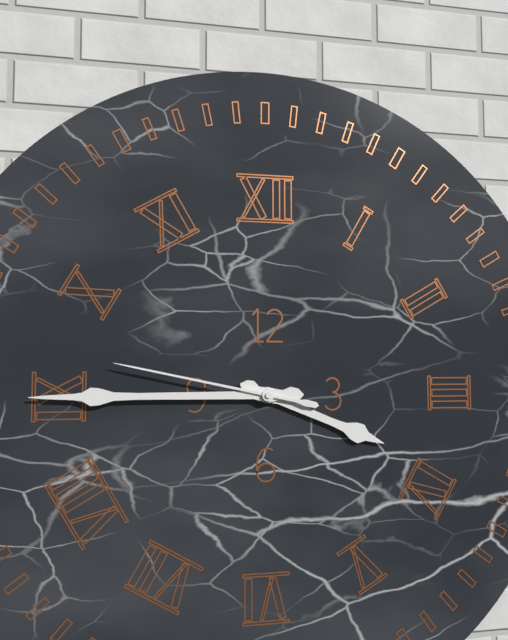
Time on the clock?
3:45:47
